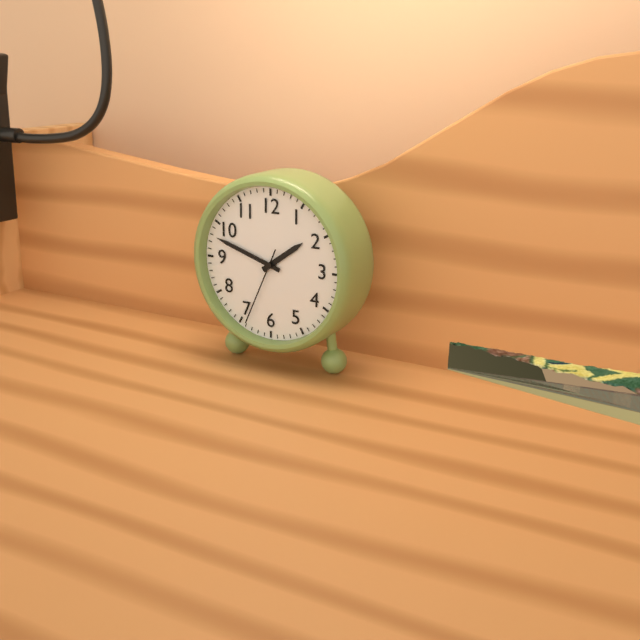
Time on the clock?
1:48:34
